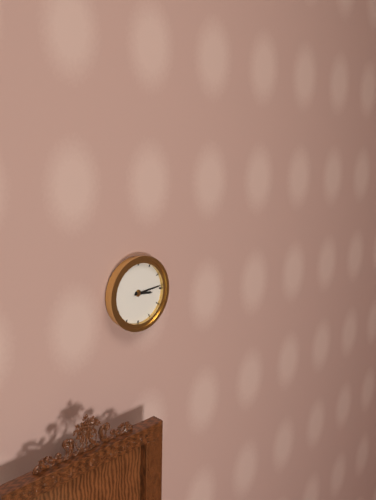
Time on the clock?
3:14
